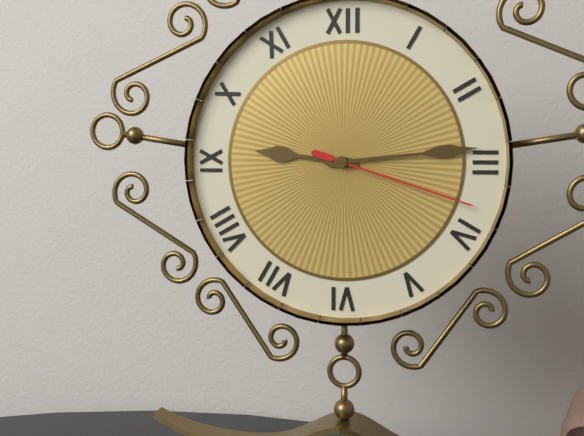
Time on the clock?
9:14:18
